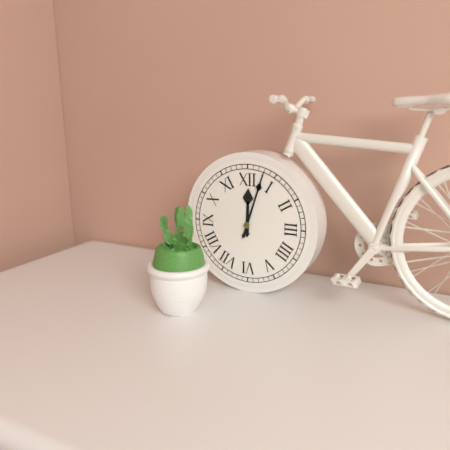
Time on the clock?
12:03
